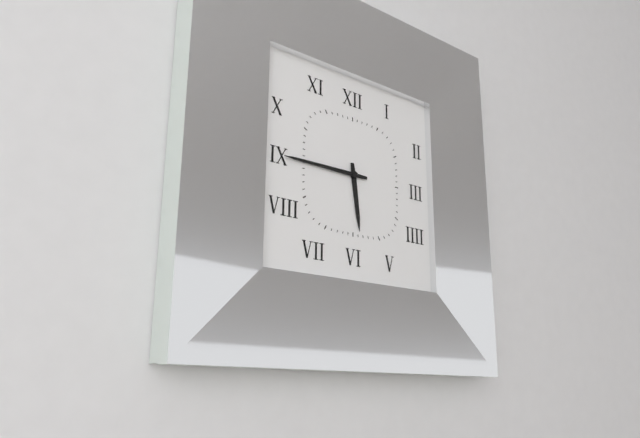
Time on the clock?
5:45
